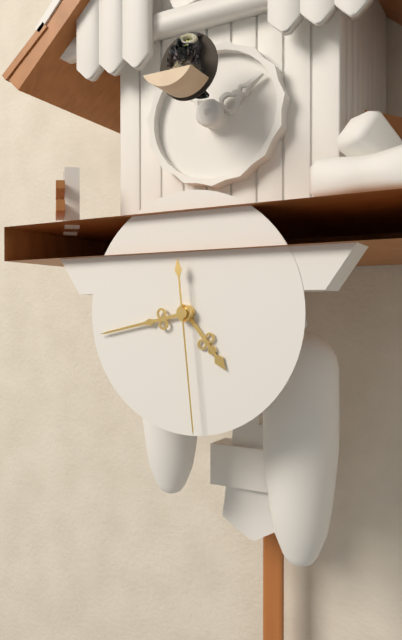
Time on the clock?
4:43:29
